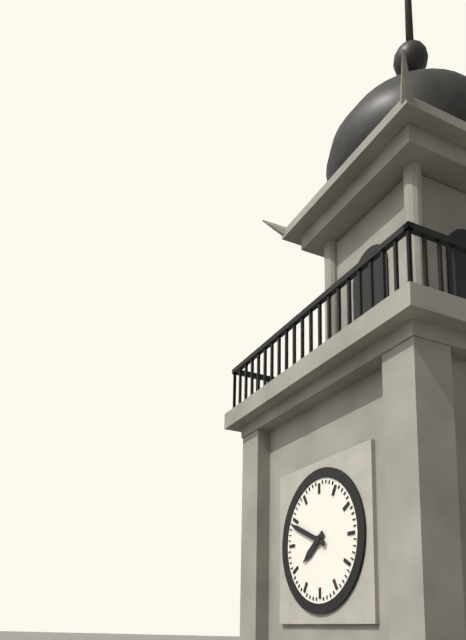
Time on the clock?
7:49
